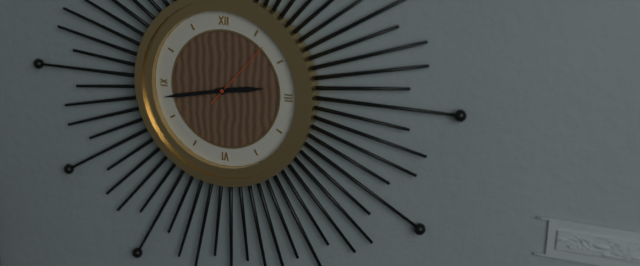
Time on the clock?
2:43:07
